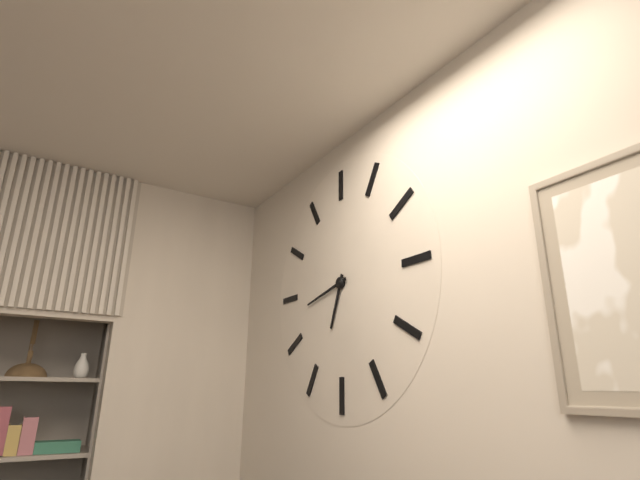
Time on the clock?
6:43
